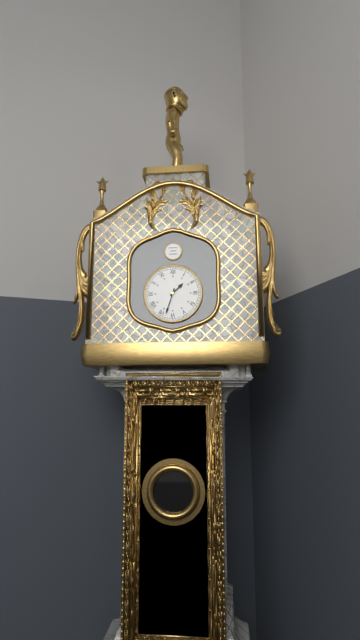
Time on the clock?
1:33
